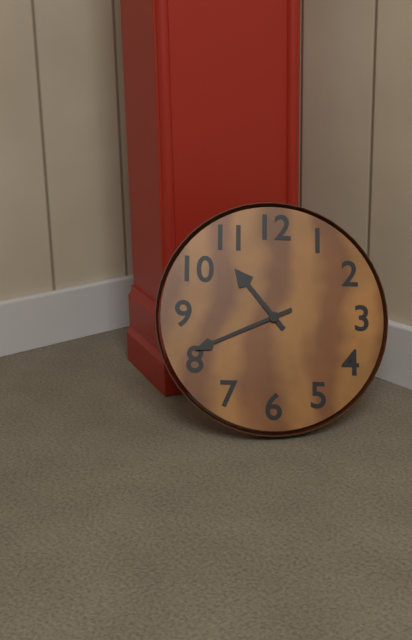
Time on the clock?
10:41
